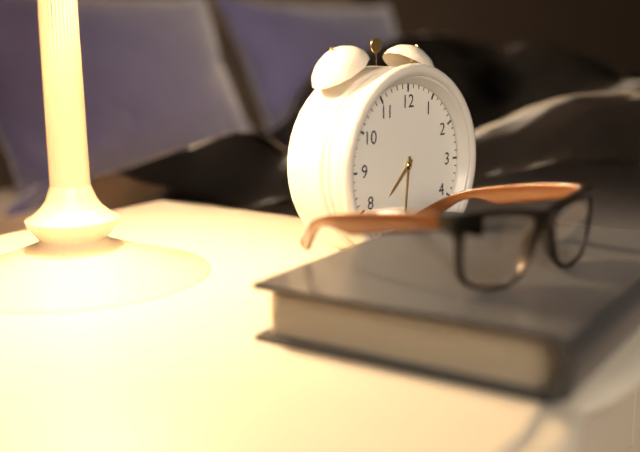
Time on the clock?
7:31
